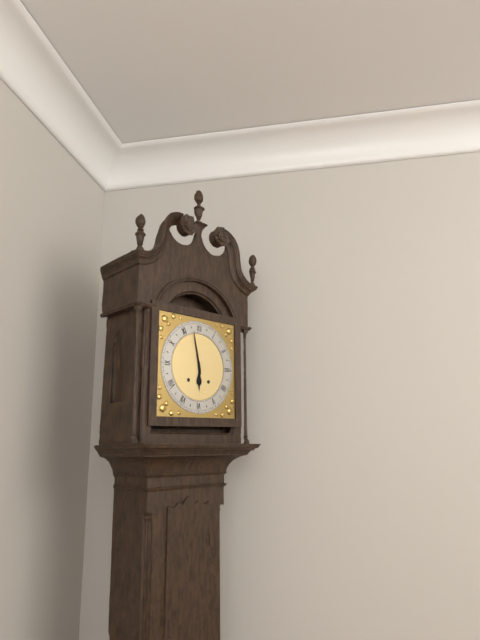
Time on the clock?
5:58
